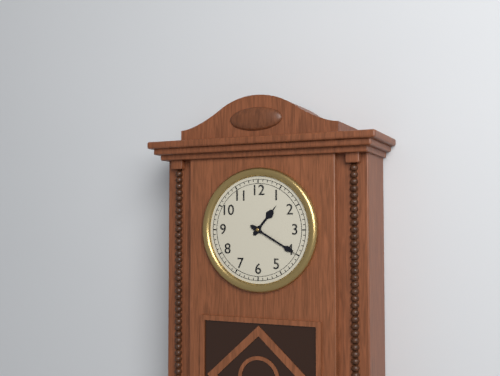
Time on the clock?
1:20
